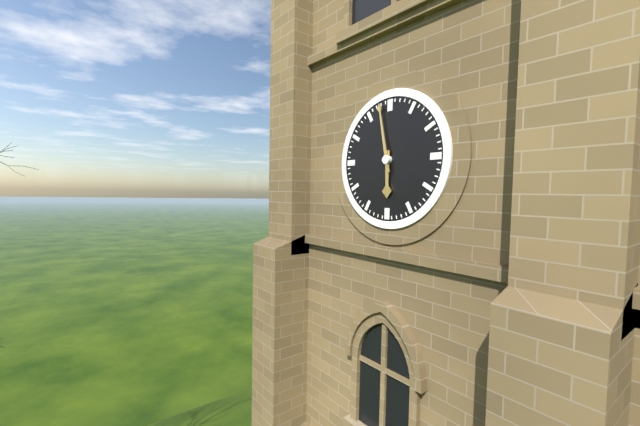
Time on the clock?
5:58
